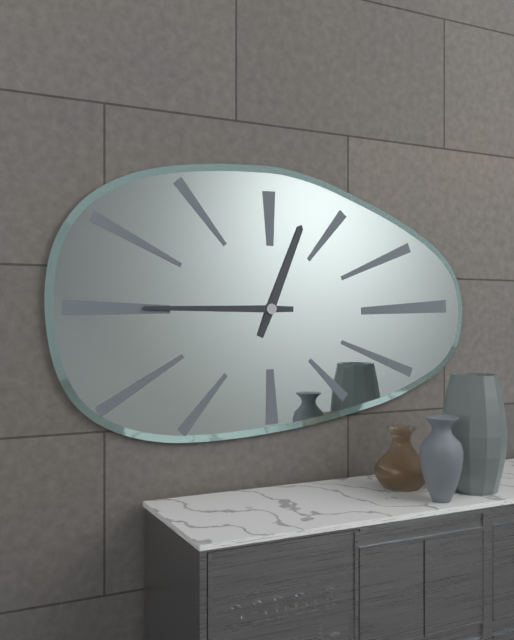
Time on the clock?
12:45
